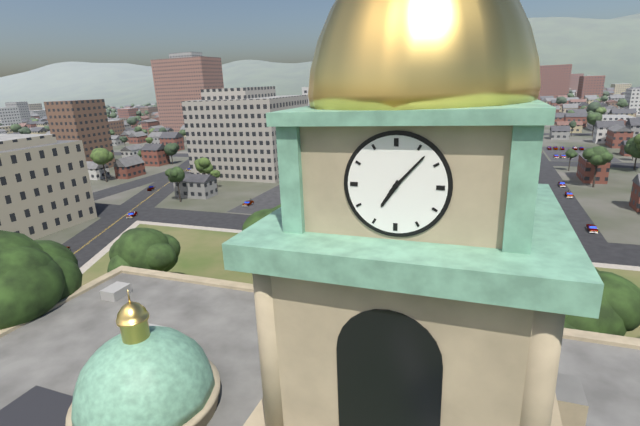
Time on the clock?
7:07
